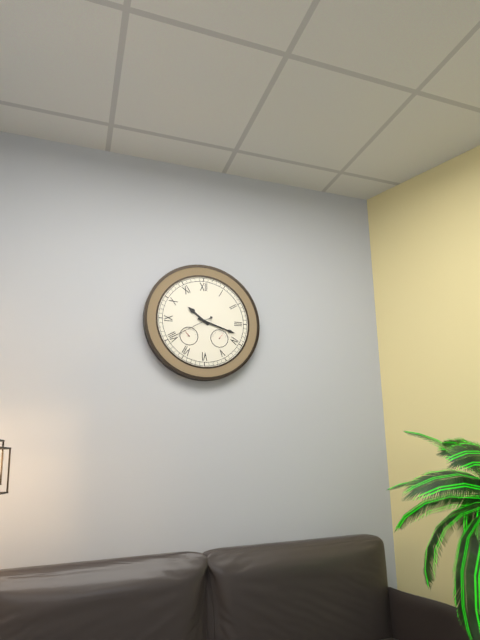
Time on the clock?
10:18
